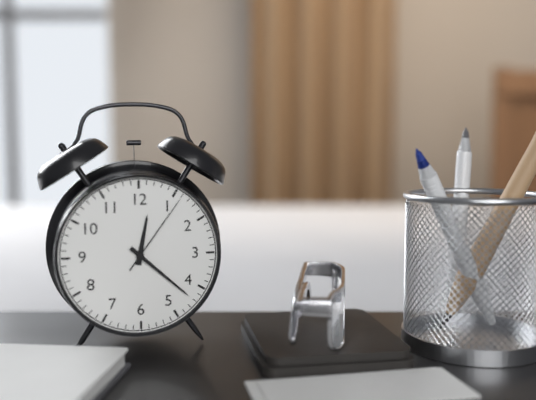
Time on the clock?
12:22:06
